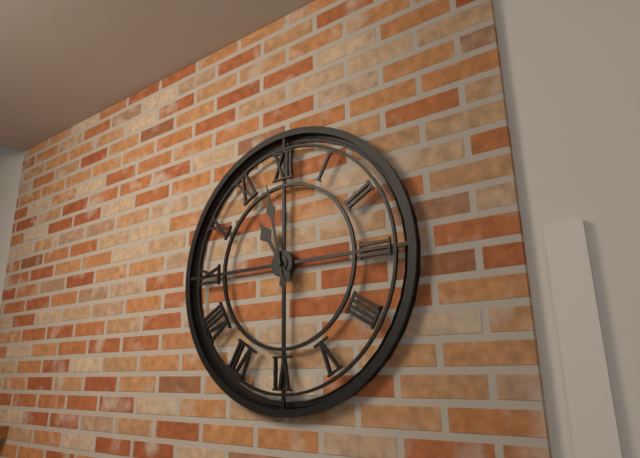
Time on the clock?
10:58
